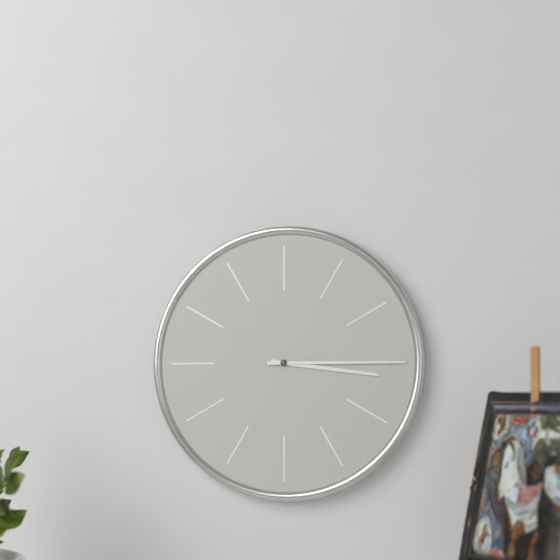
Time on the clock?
3:15
